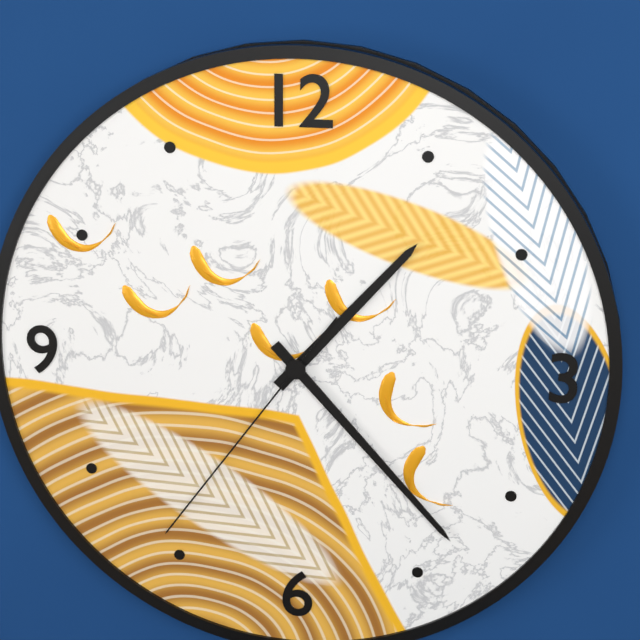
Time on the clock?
1:23:36
